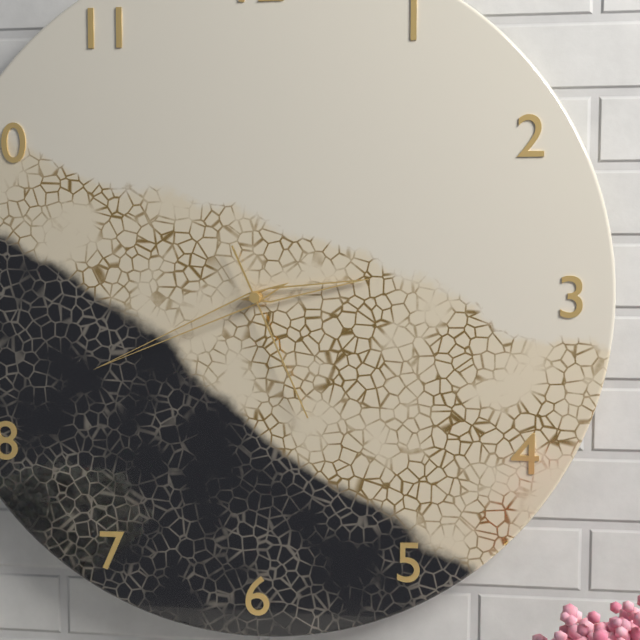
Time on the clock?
2:41:26
